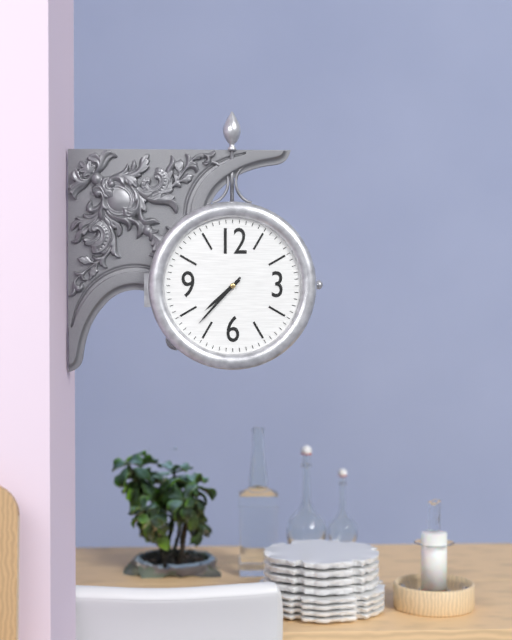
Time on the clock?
7:37
